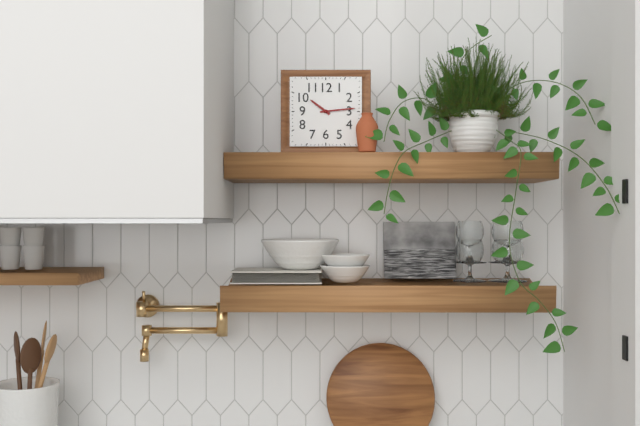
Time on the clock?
10:14
